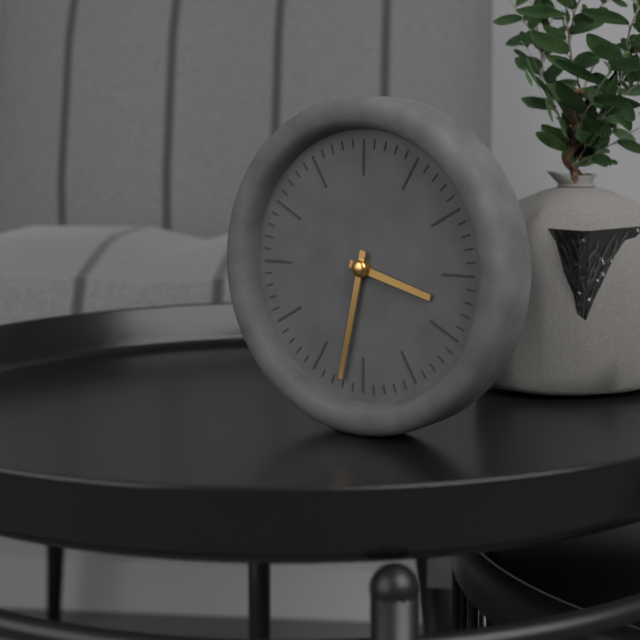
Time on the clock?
3:32
